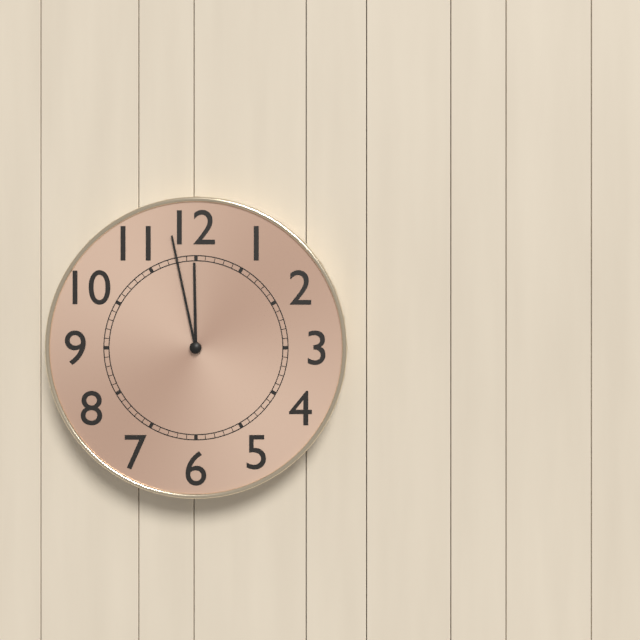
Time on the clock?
11:58
